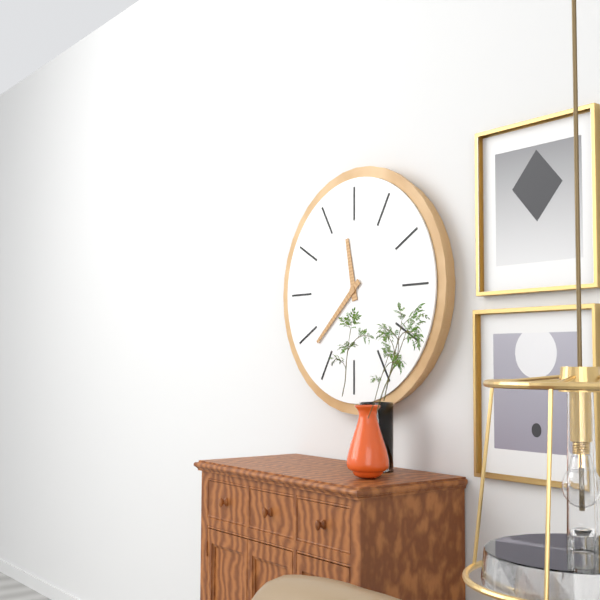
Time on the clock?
11:38
